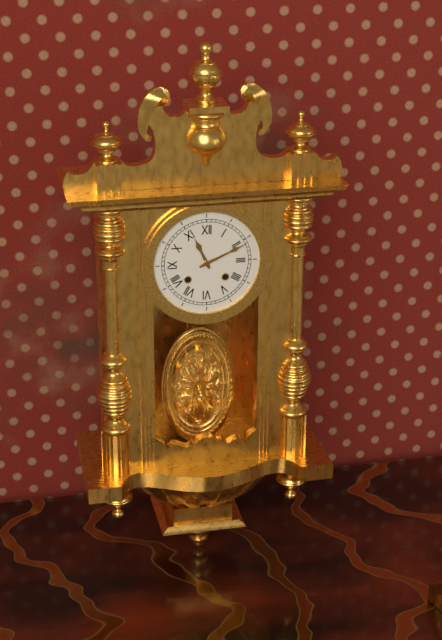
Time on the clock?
11:11
